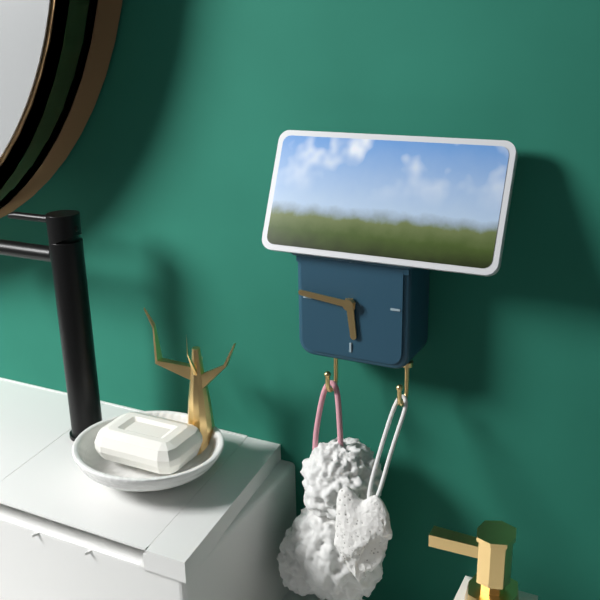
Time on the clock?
5:46
